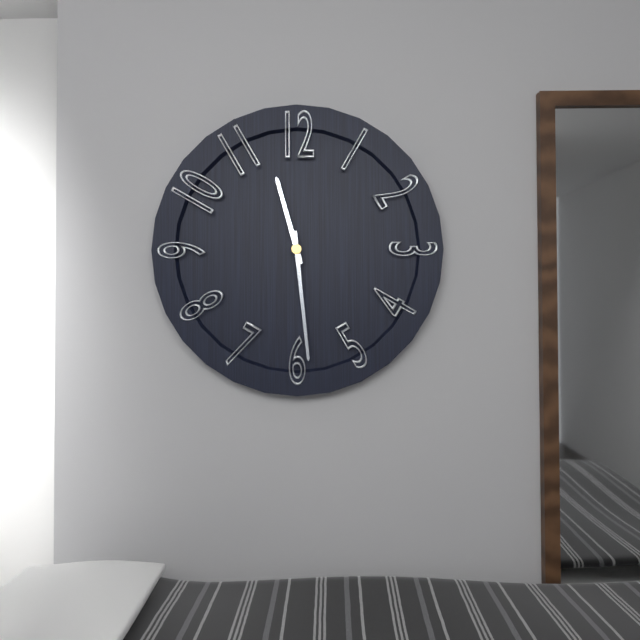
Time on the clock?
11:29
